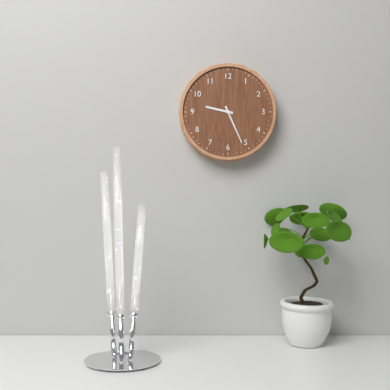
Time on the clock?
9:26
